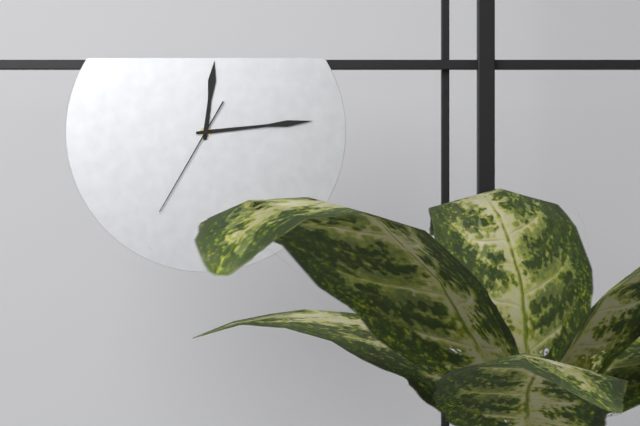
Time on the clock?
12:14:35
